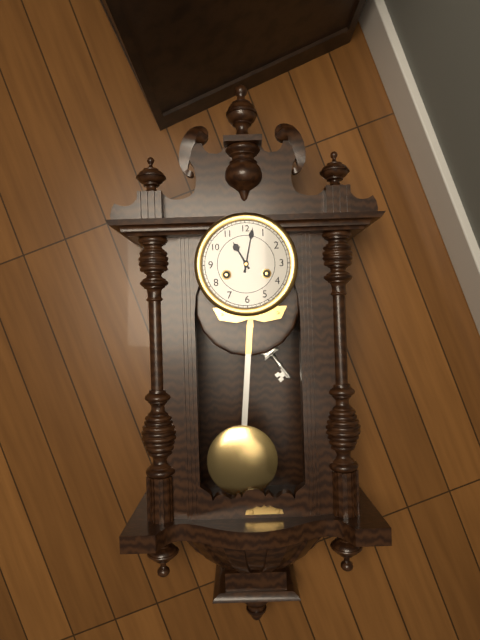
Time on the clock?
11:02
